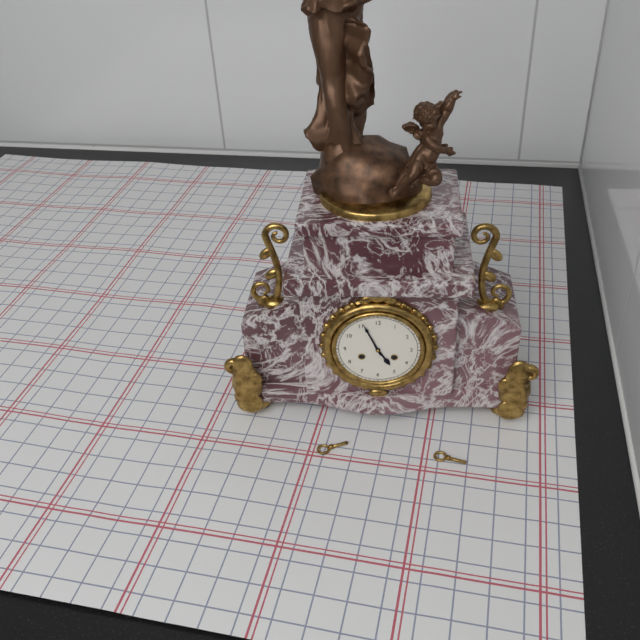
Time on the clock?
4:56
